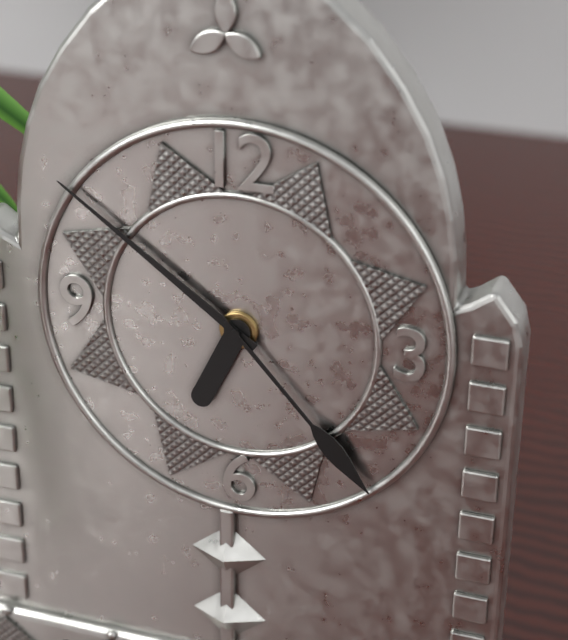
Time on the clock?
6:51:23
